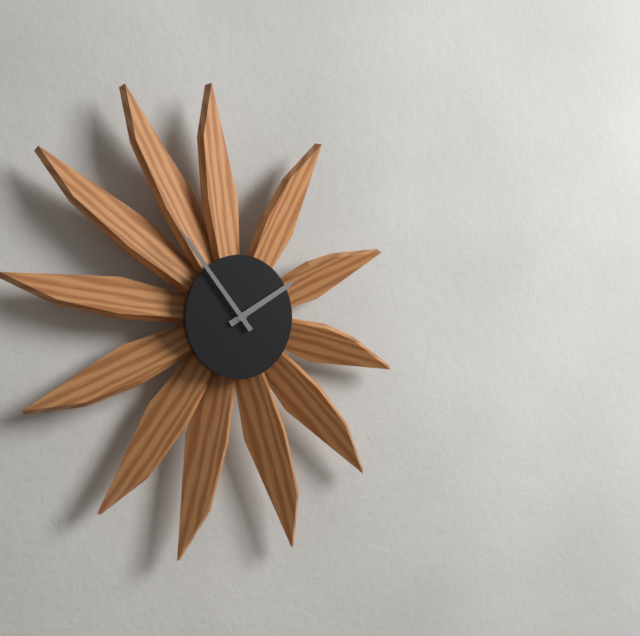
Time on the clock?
1:54
